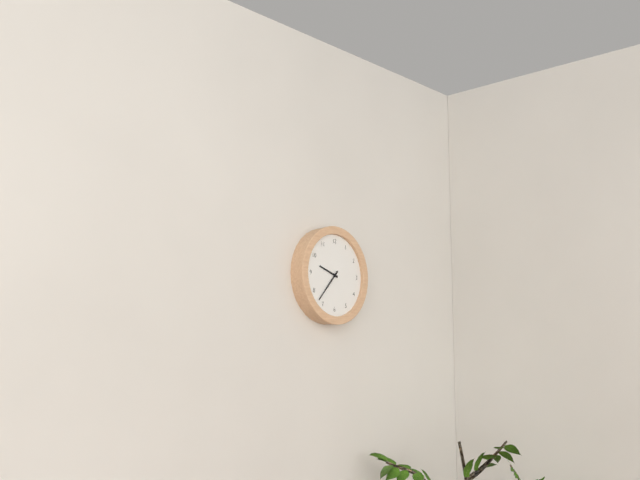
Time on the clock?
9:37
